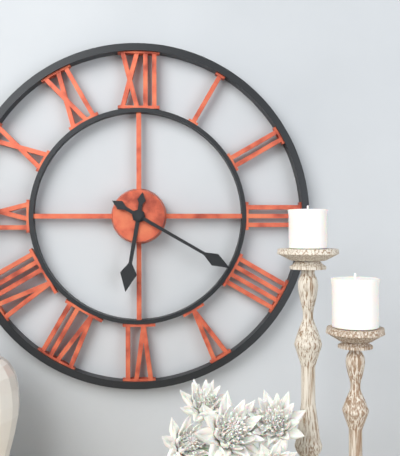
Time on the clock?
6:20
